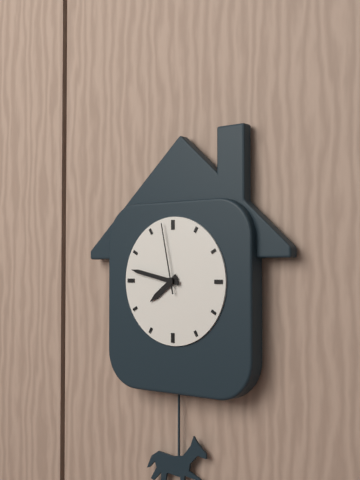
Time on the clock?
7:47:58
